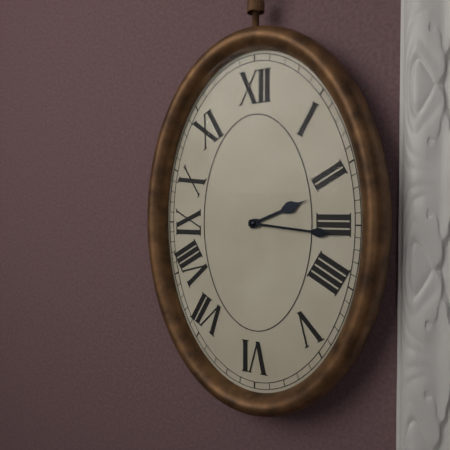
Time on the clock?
2:16
